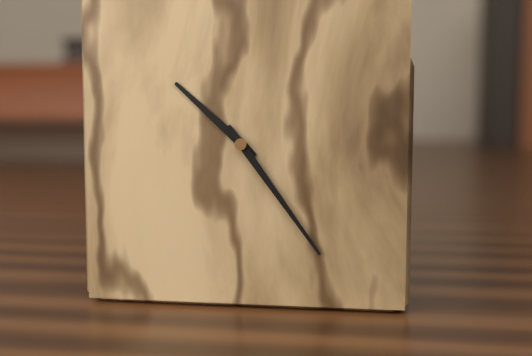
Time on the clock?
10:24
